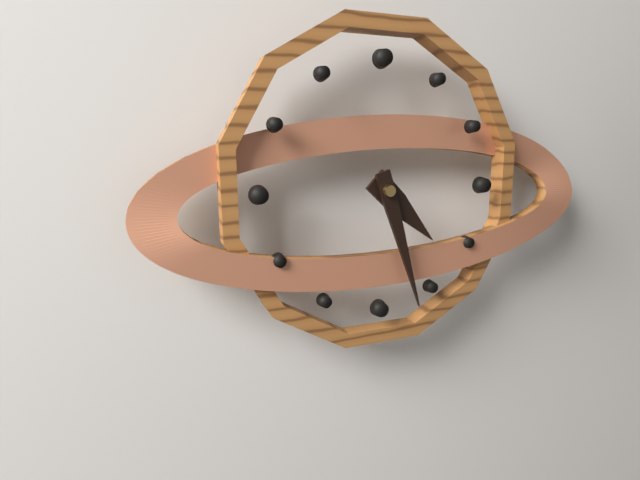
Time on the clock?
4:27
